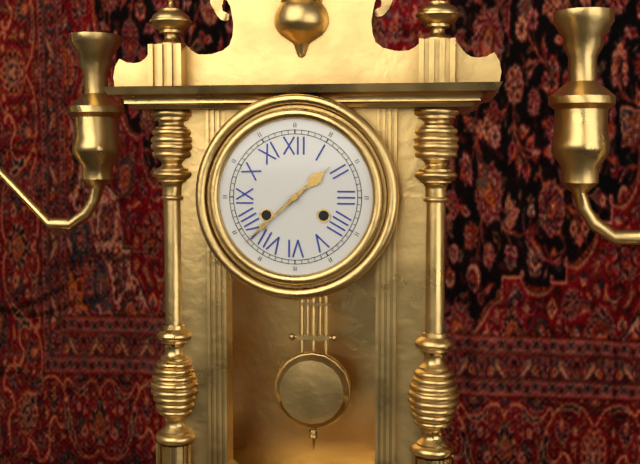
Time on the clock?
1:38
